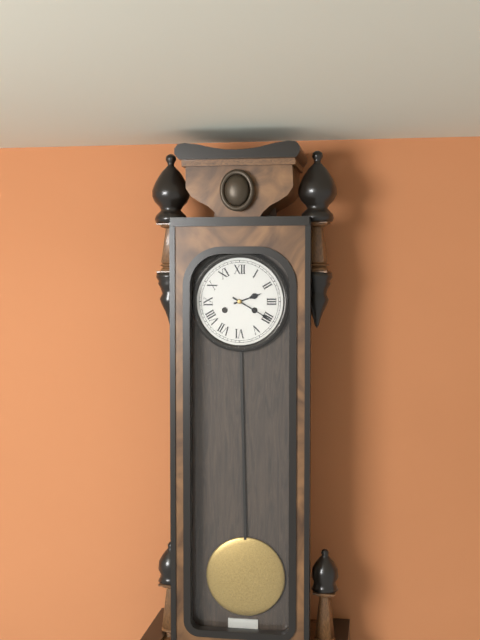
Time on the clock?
2:20
